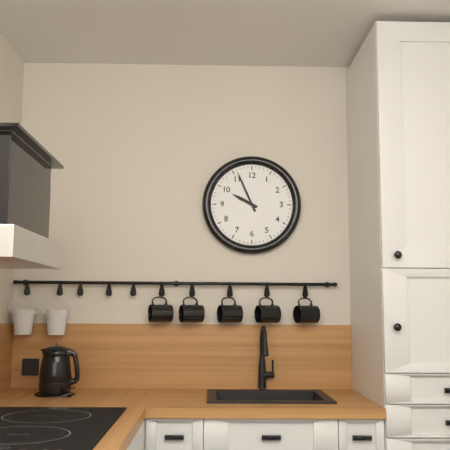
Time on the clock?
9:56
